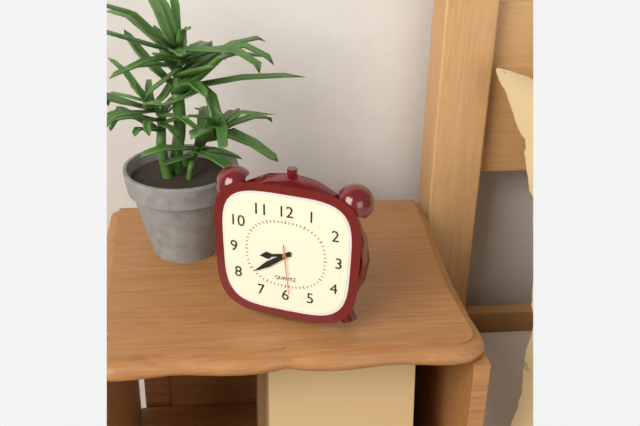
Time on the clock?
8:39
